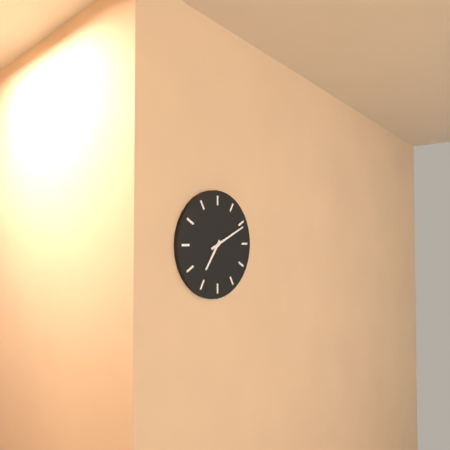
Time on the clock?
7:11
